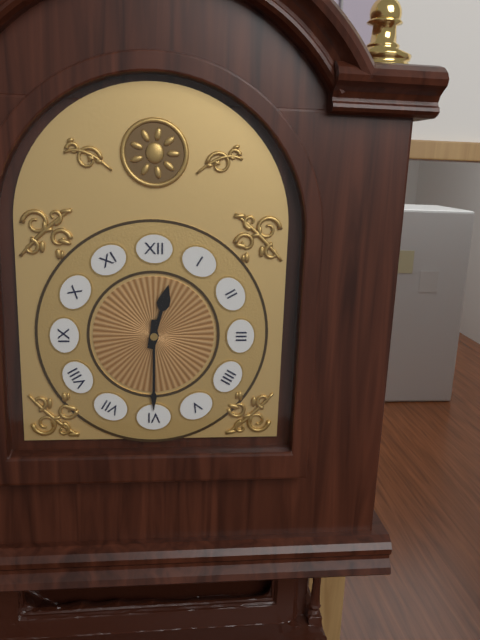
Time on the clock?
12:30
